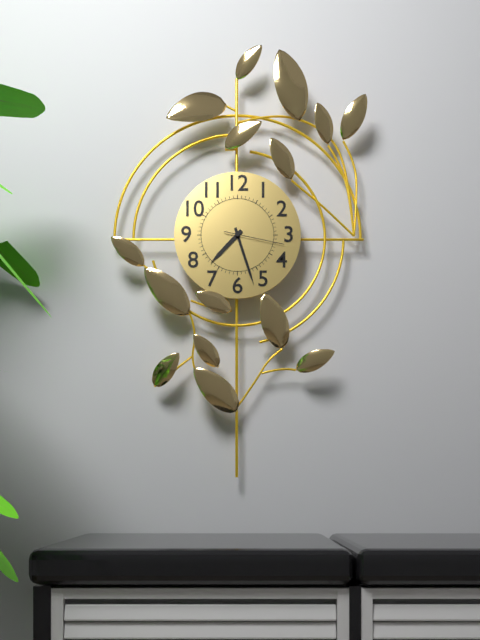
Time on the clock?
7:27:17
